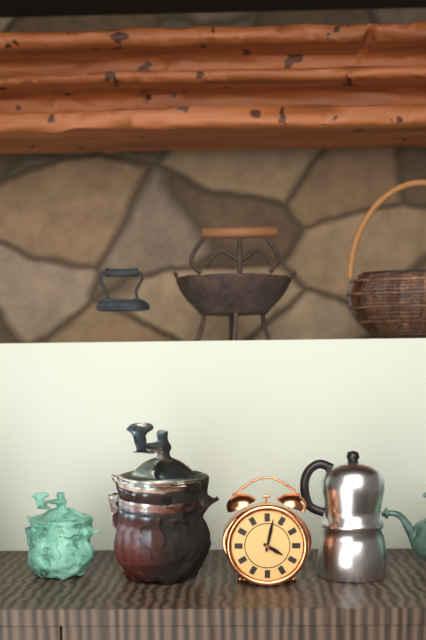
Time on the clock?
4:02
